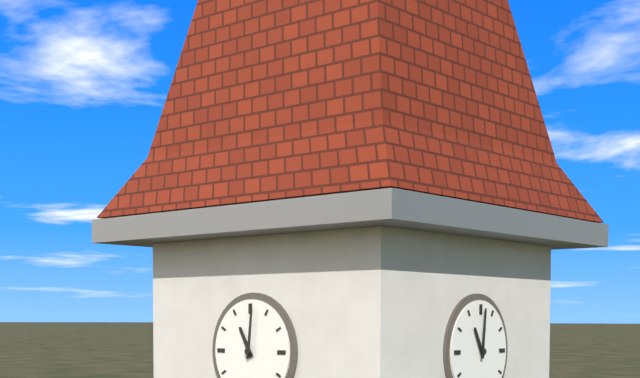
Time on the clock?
11:01
